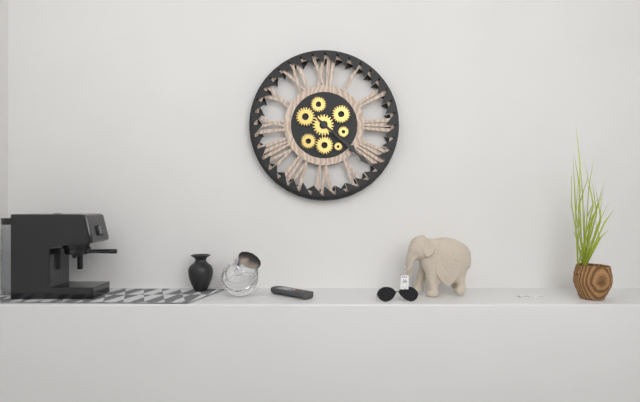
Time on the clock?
4:22
